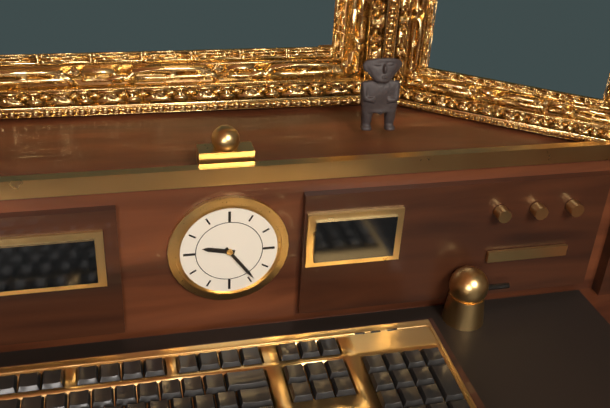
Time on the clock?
9:24
